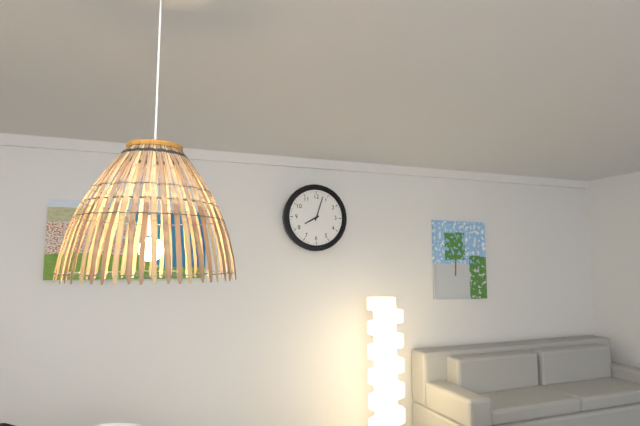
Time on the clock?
8:03
